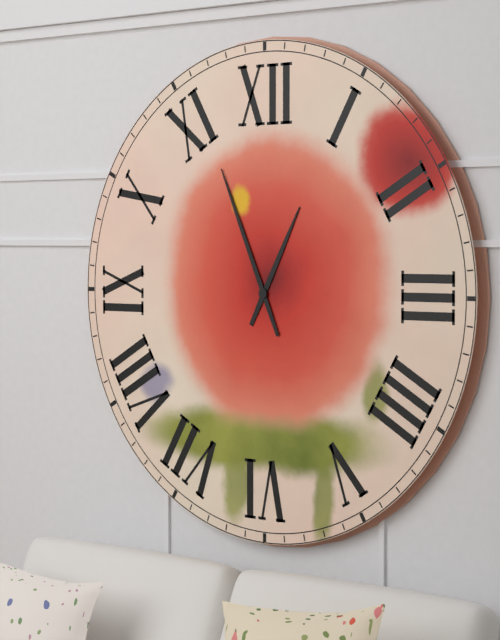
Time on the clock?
12:56
